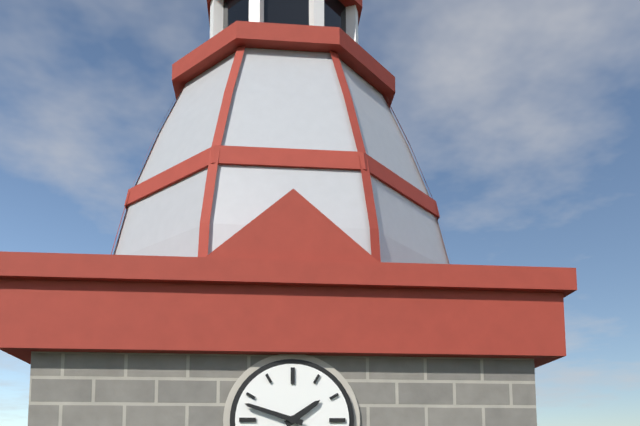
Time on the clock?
1:48
